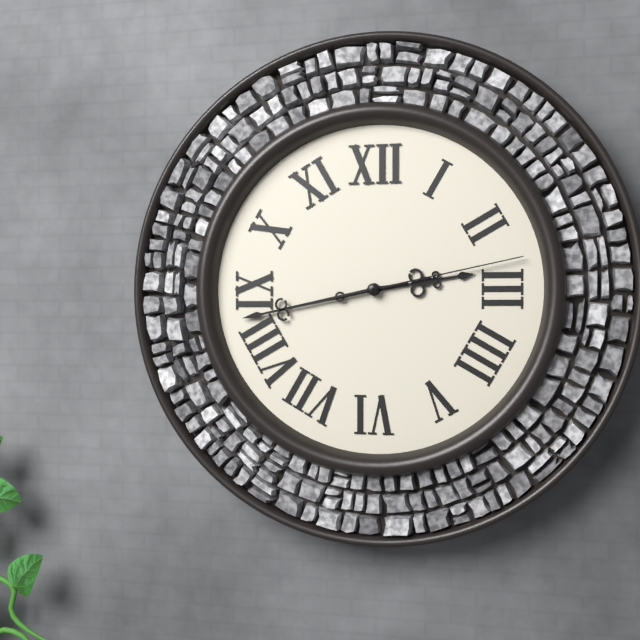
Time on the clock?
2:43:13
